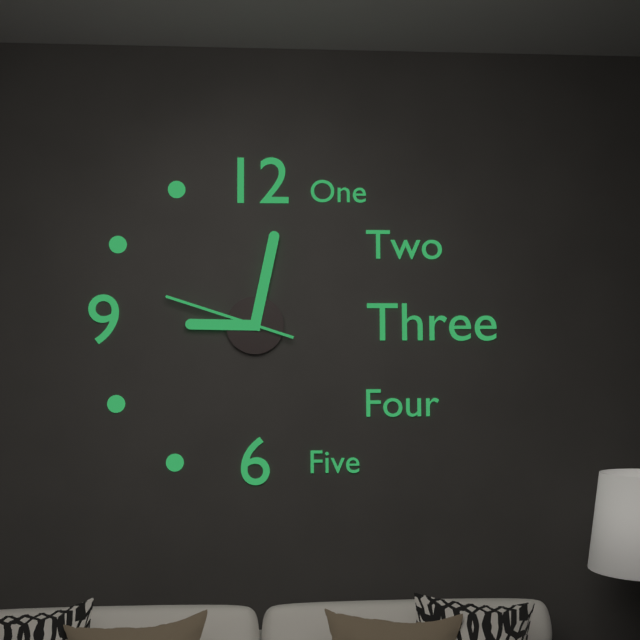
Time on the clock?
9:02:48
